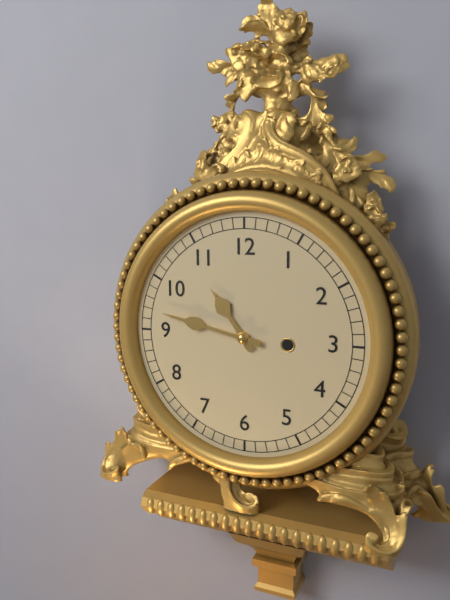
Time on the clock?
10:47
